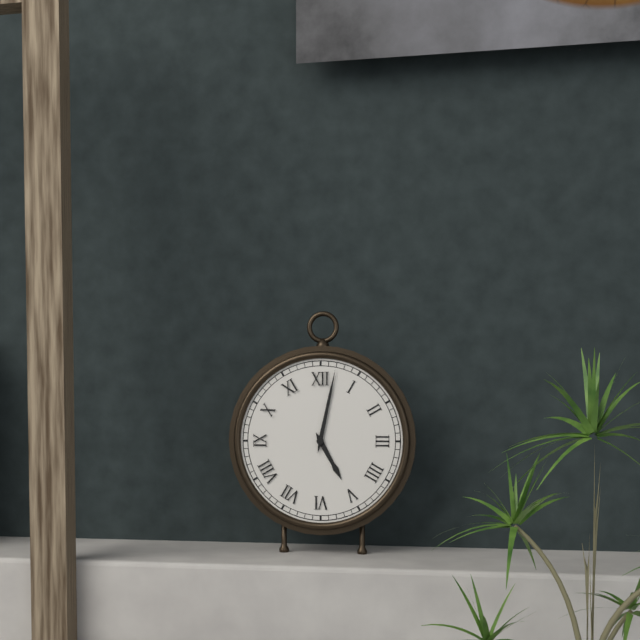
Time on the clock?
5:02
